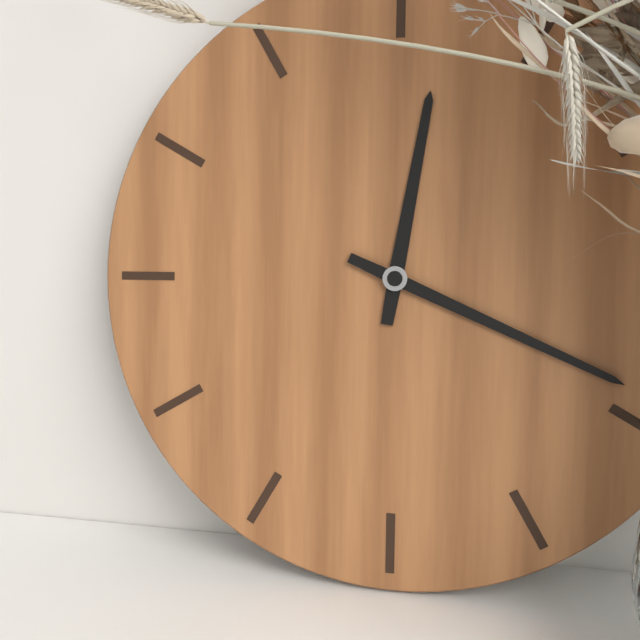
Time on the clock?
12:19
